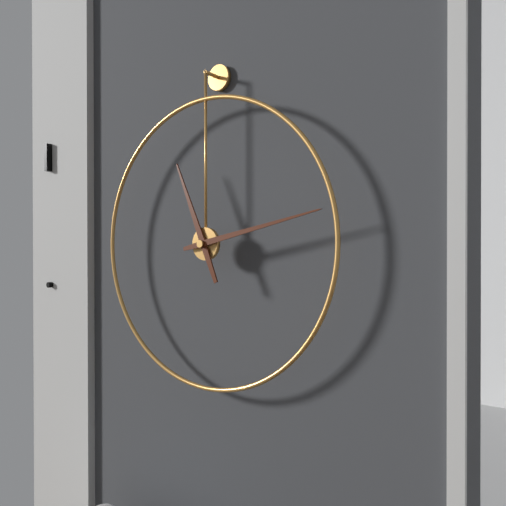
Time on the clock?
11:13
